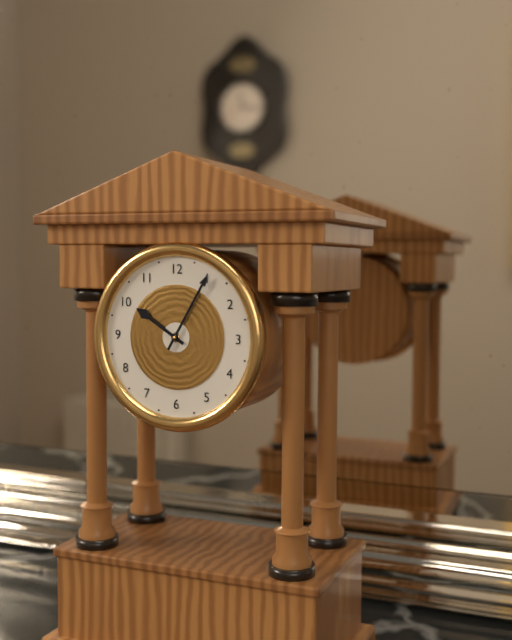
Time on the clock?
10:05
